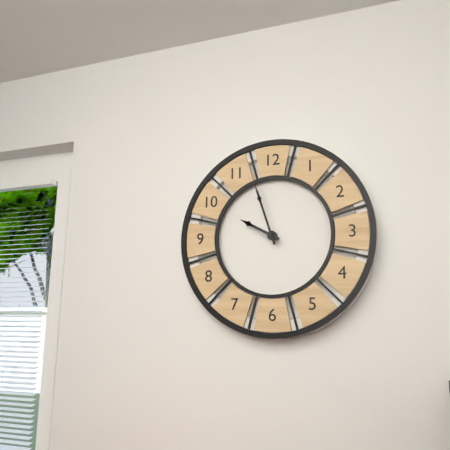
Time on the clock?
9:57
